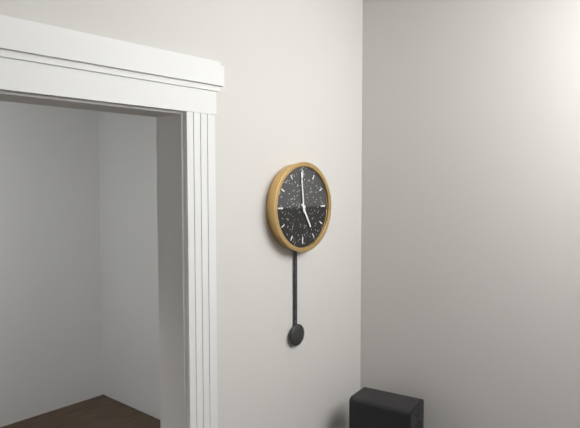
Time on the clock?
4:59
